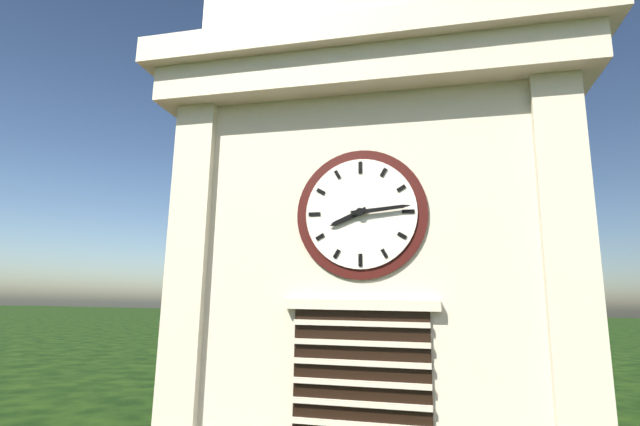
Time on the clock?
8:14
